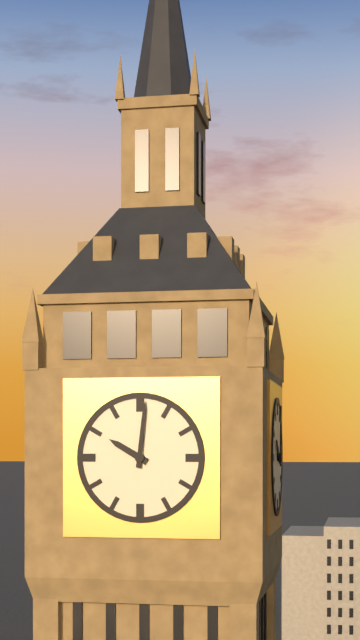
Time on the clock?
10:01
